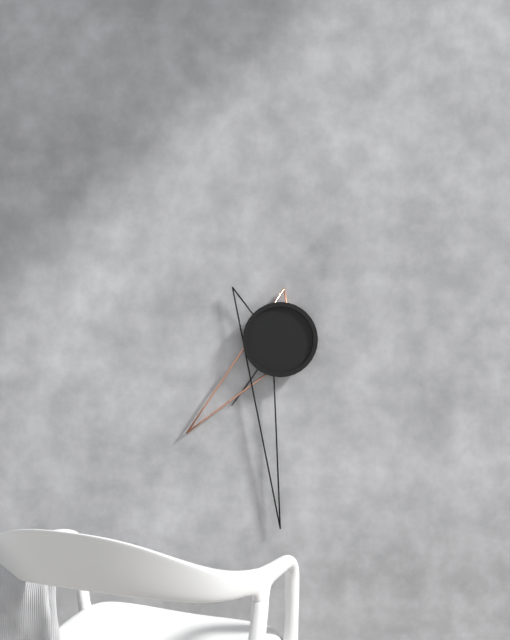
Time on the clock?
7:30:36
